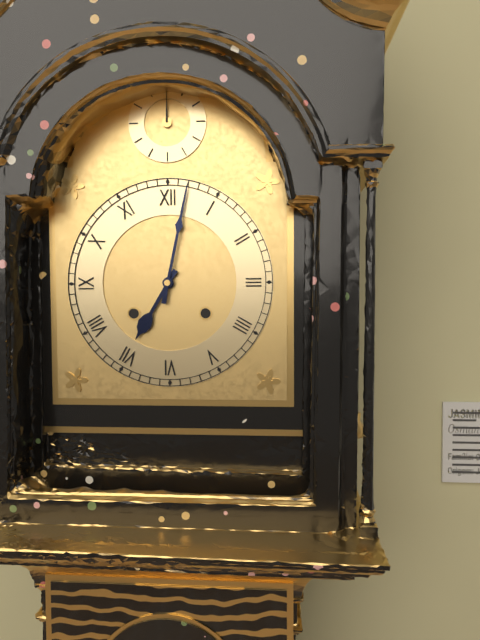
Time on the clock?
7:02
